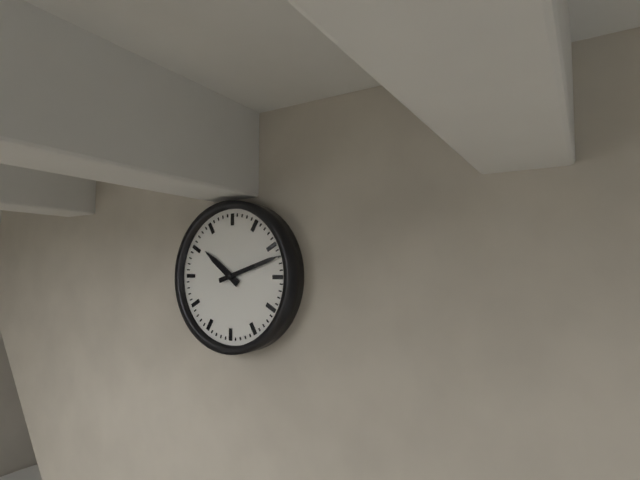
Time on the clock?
10:12
